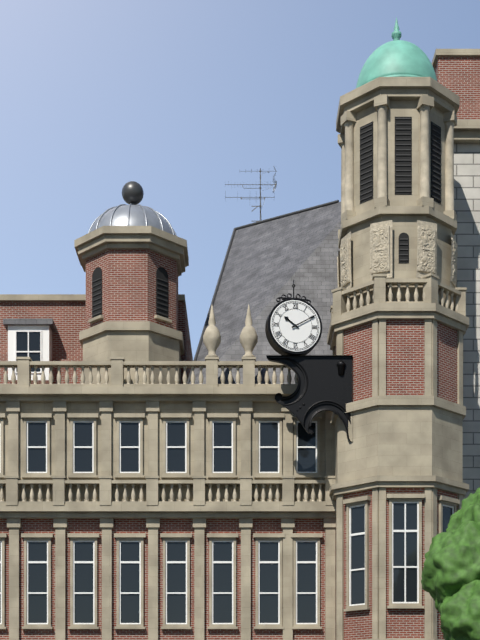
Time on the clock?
10:10
